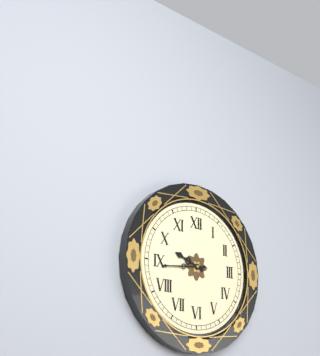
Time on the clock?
9:44
